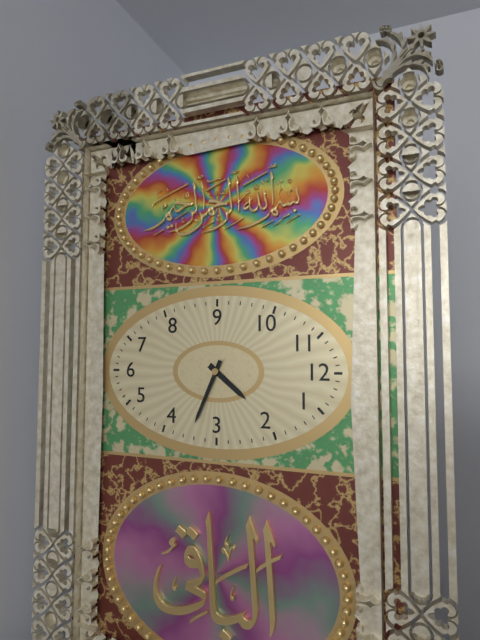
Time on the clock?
1:19
